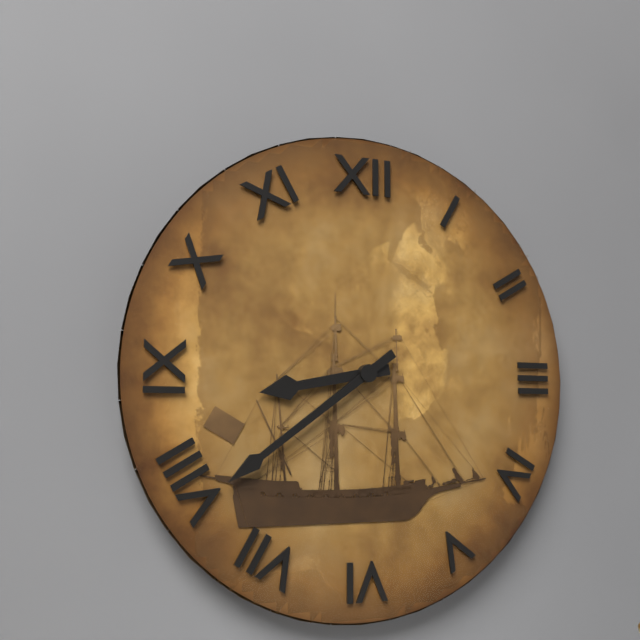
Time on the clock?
8:39
